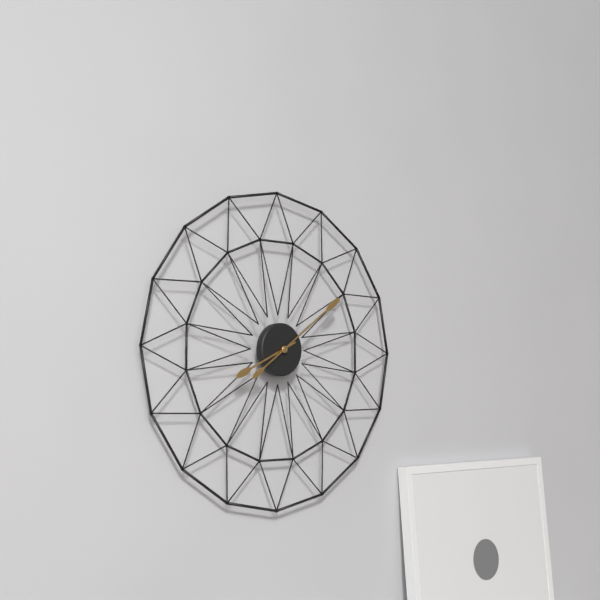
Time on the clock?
8:09
